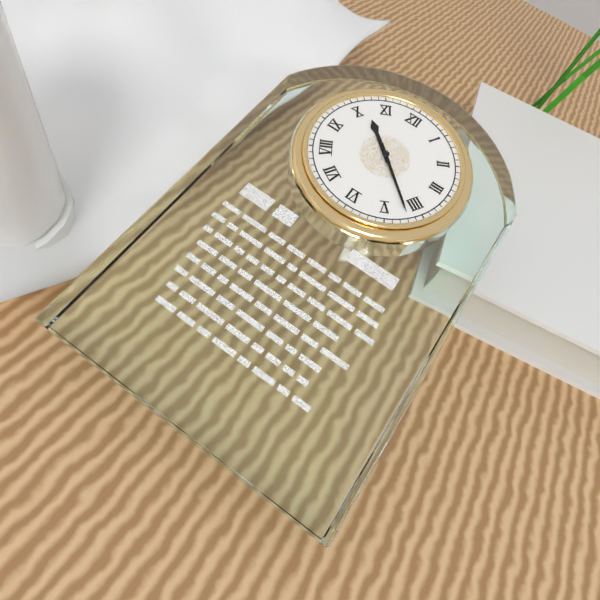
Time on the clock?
10:22
